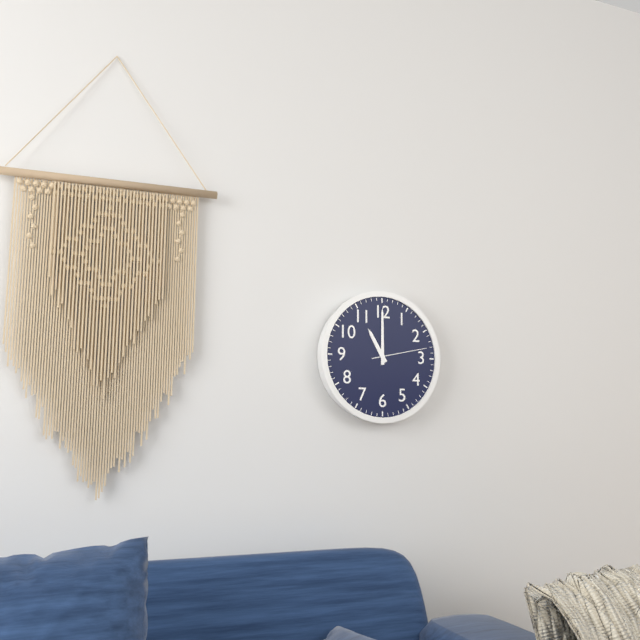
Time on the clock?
11:00:13
